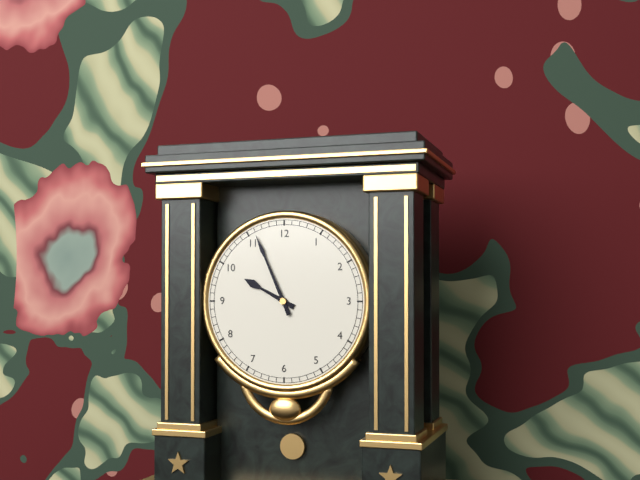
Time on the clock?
9:56
